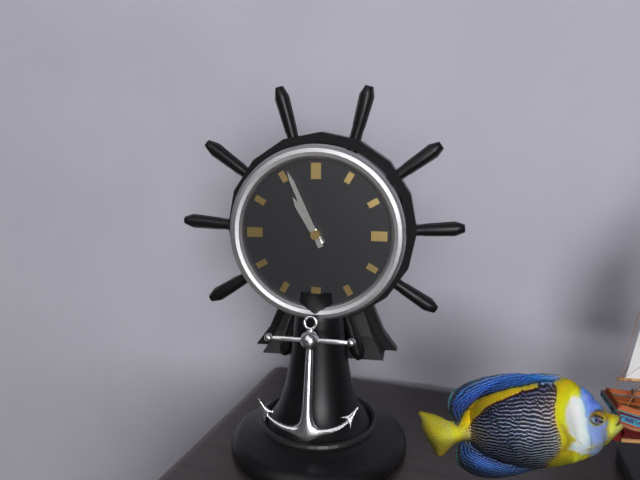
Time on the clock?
10:56
